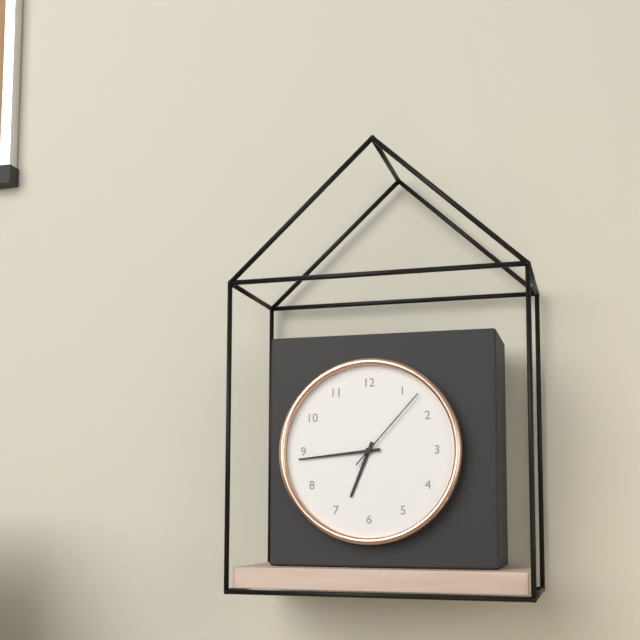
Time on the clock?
6:44:07
